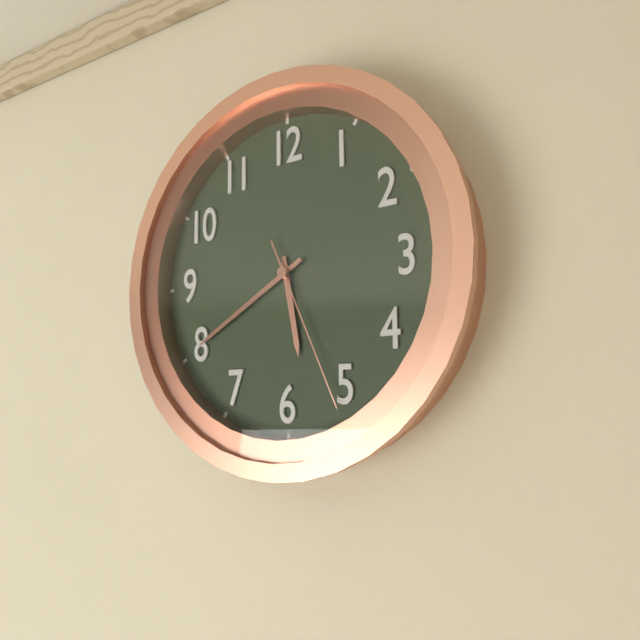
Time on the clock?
5:40:26
